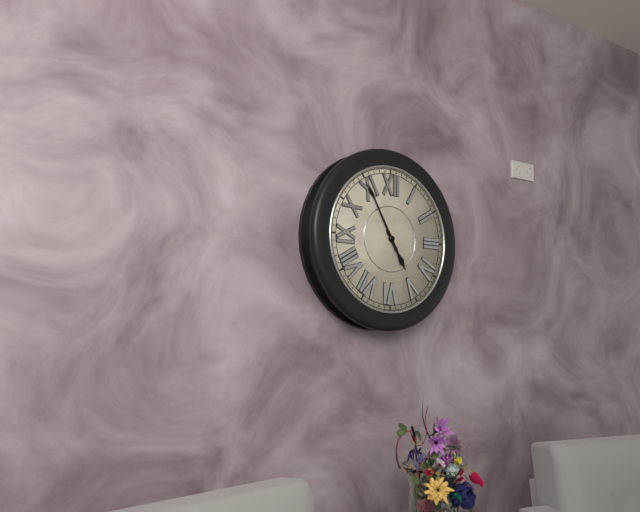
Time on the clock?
4:55
